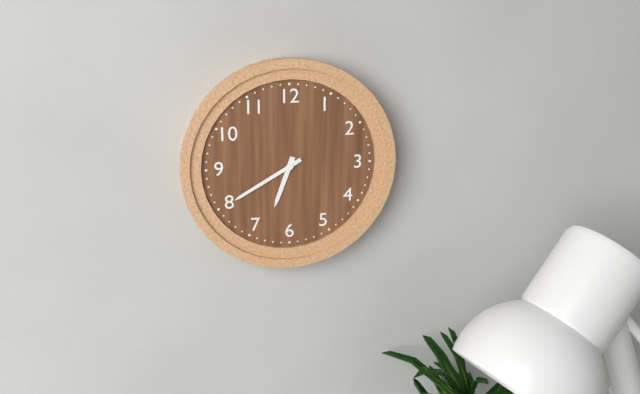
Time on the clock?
6:40
